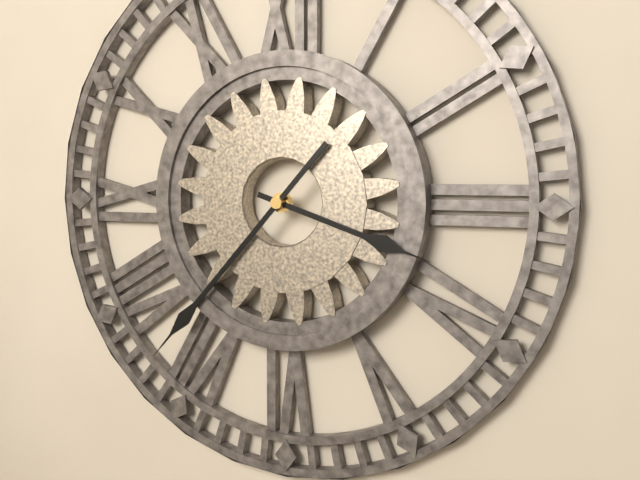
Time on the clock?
3:37
